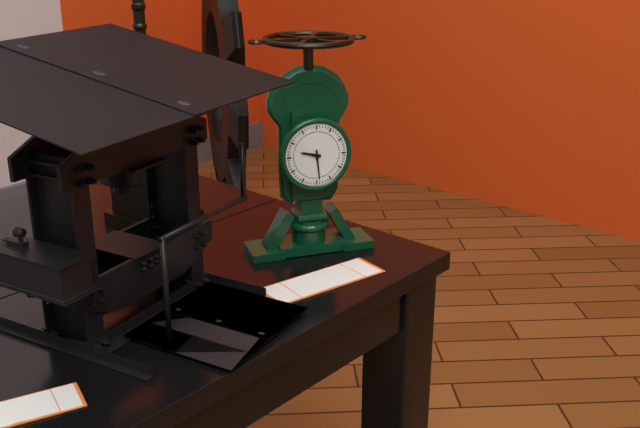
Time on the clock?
9:29
